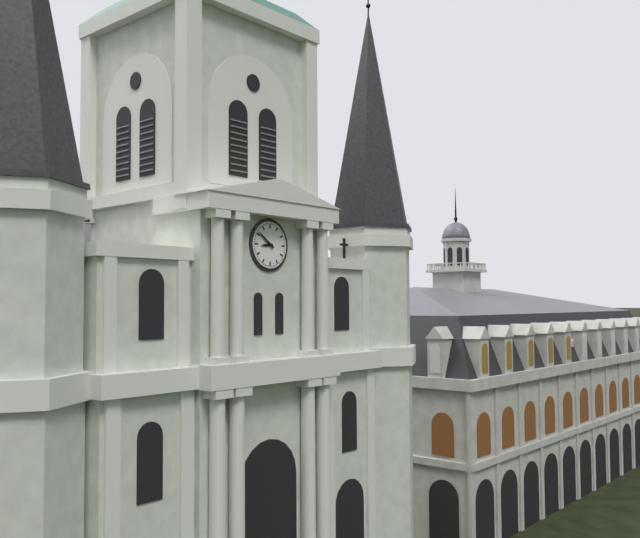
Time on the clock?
8:51
